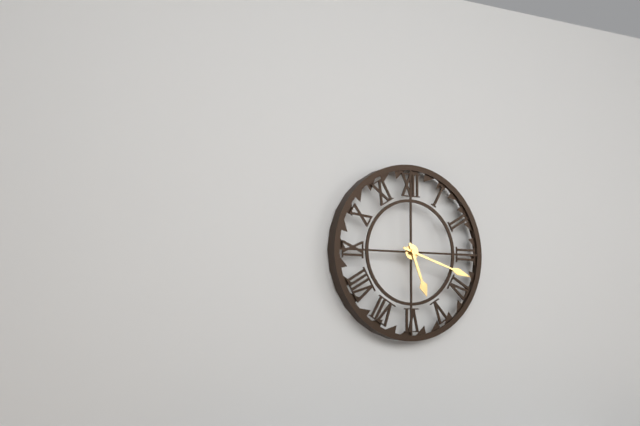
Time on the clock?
5:18
